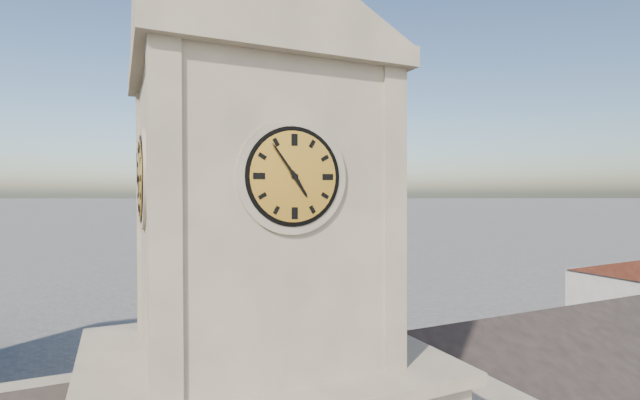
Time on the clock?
4:54
